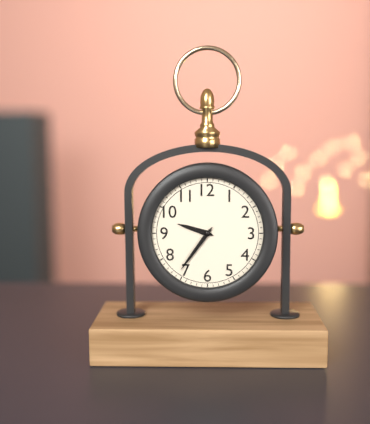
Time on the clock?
9:36
